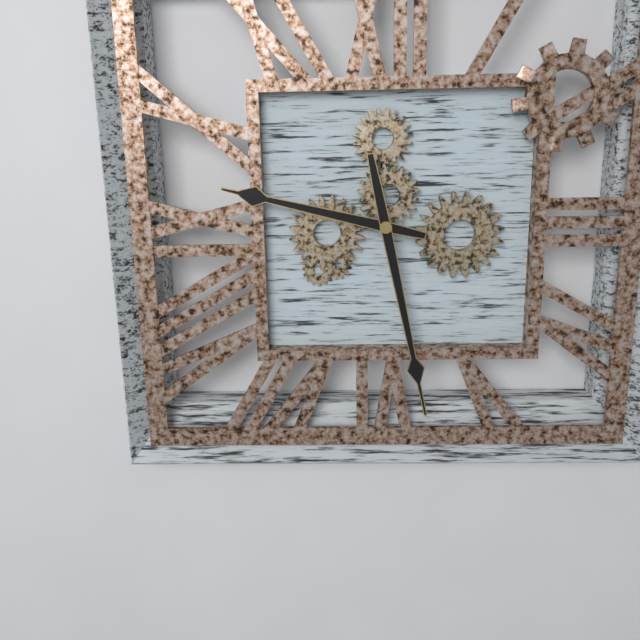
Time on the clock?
9:28
